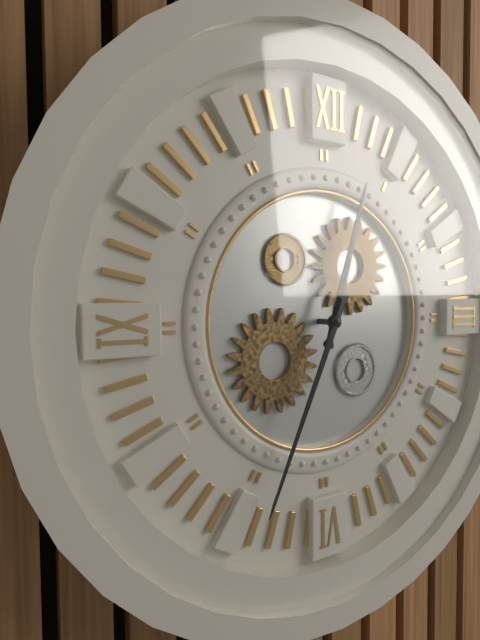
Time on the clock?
12:34
